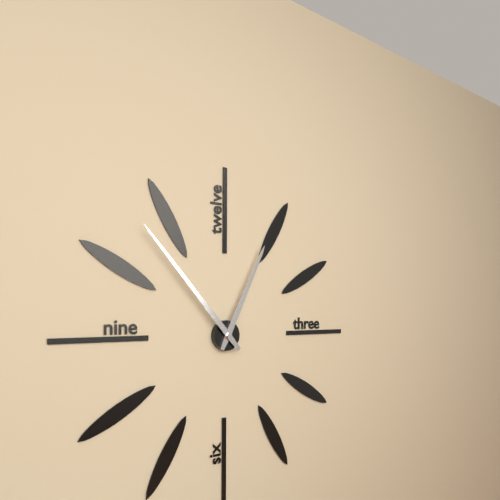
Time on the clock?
12:53
